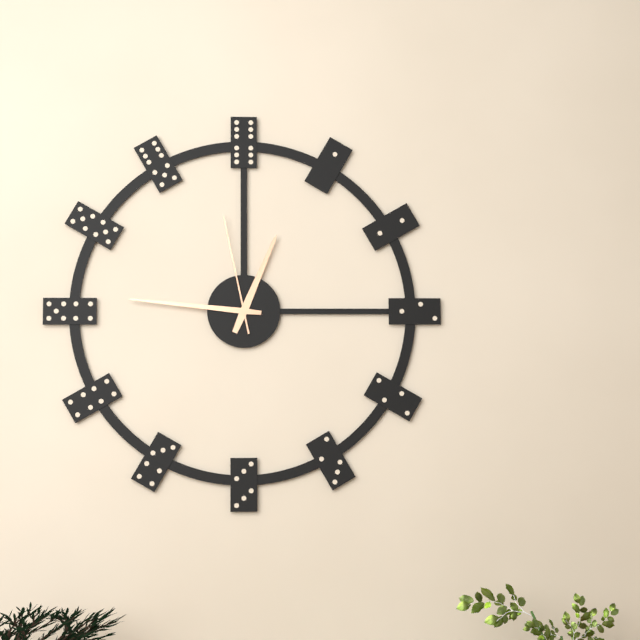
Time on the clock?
12:46:58
